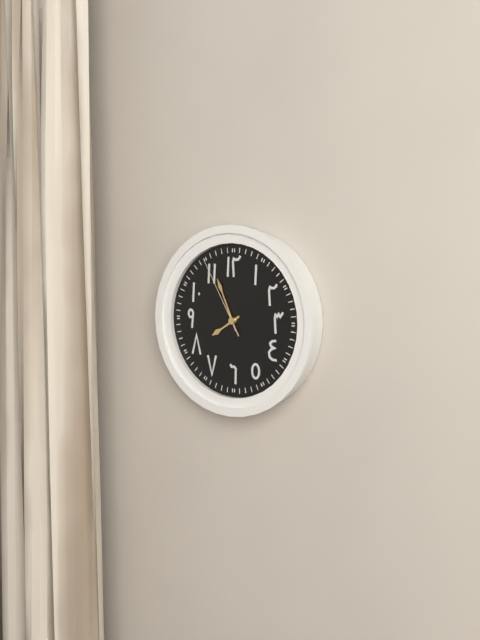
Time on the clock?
7:56:55
